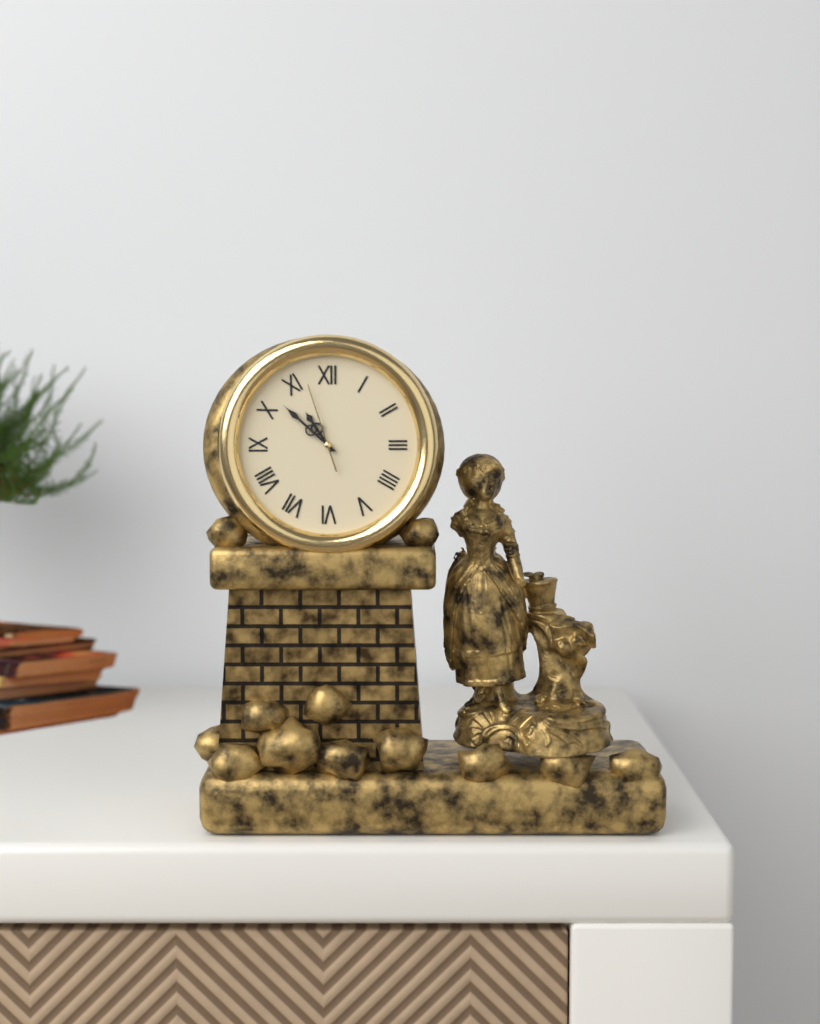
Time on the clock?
10:52:57
